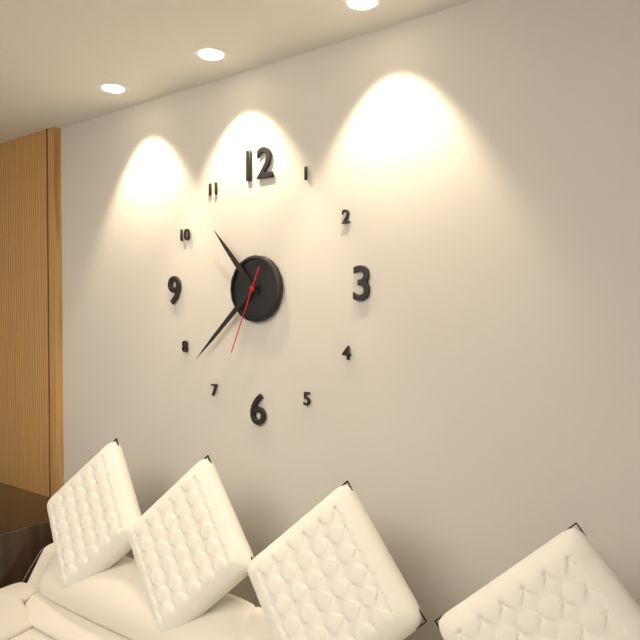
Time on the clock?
10:38:34
